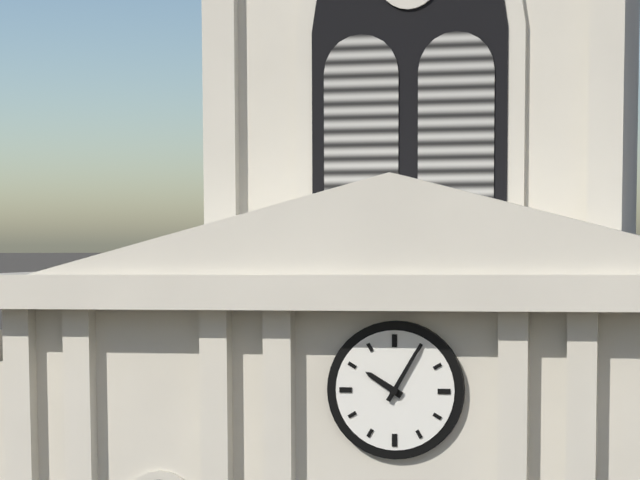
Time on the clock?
10:05
